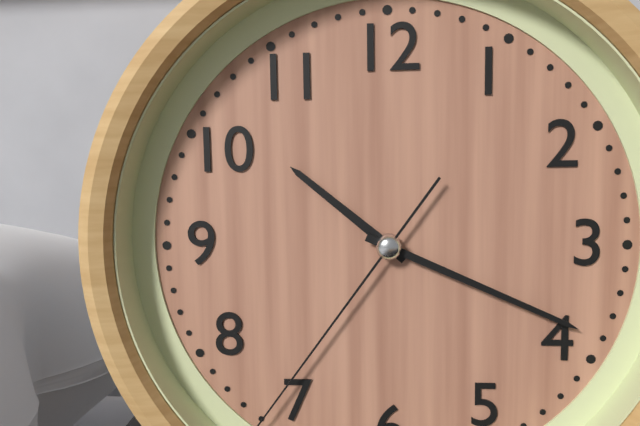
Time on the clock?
10:19
